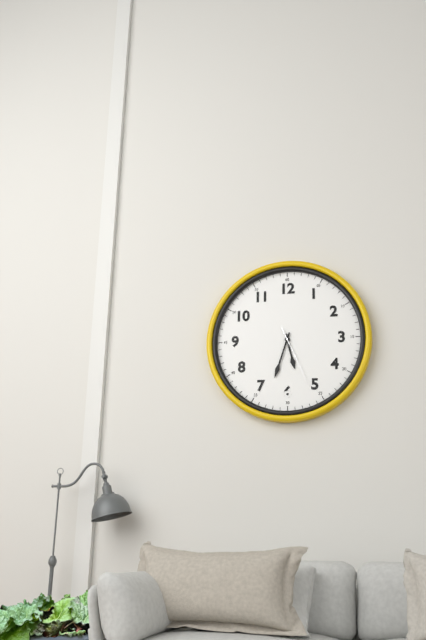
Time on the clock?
5:33:26
